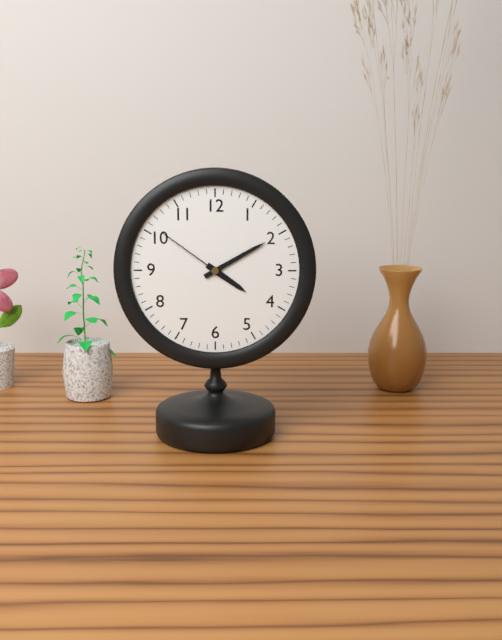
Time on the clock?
4:10:51
